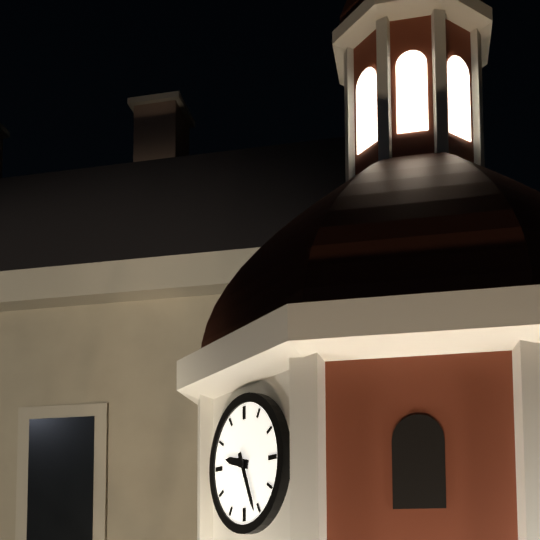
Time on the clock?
9:26
